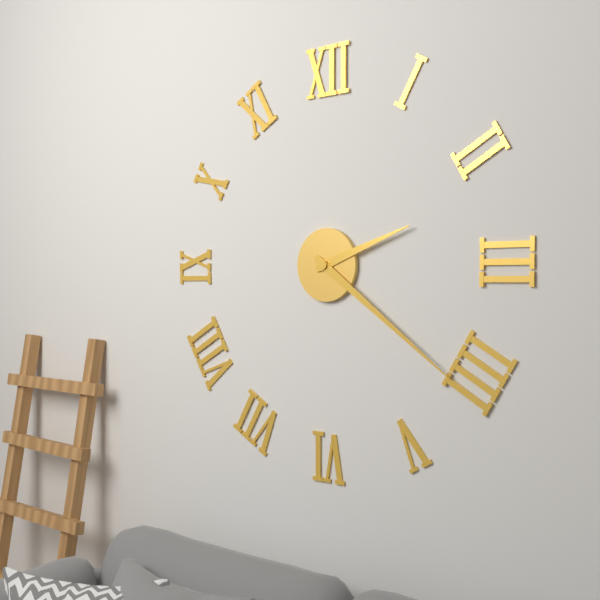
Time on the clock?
2:21
